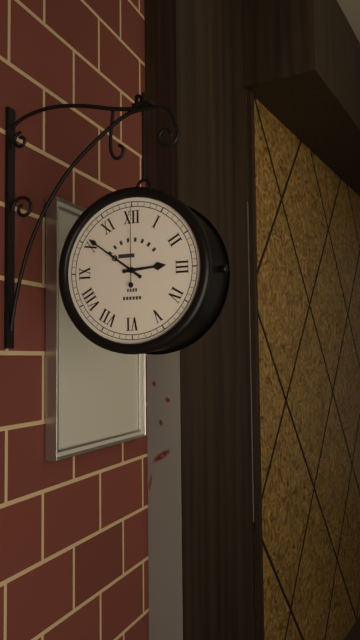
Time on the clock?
2:51:00
